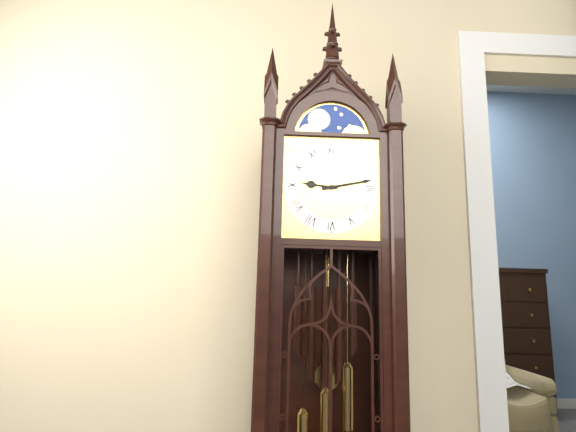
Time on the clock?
9:13
